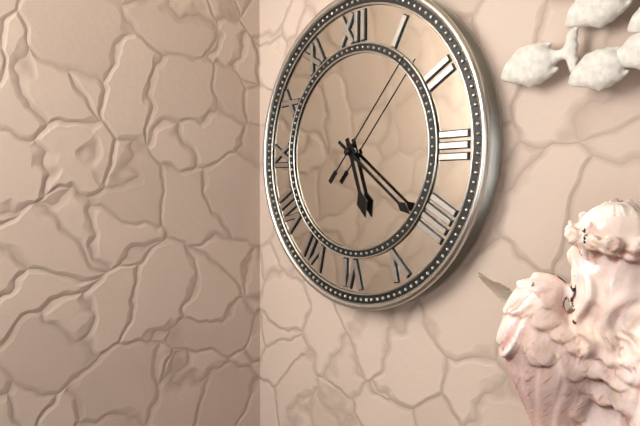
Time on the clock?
5:21:07
